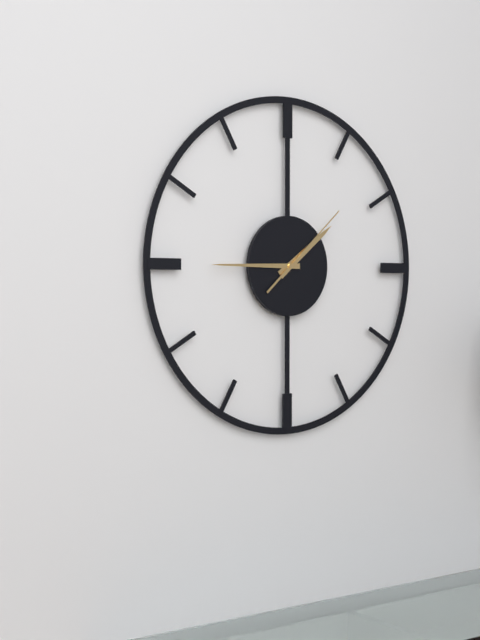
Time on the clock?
1:45:08
